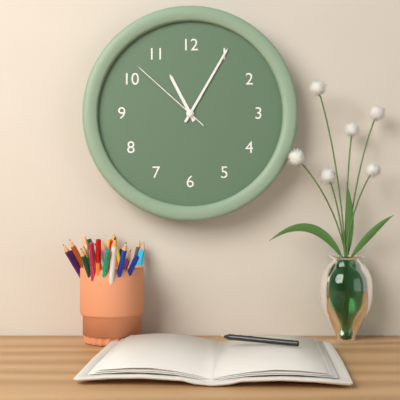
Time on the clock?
11:05:52
